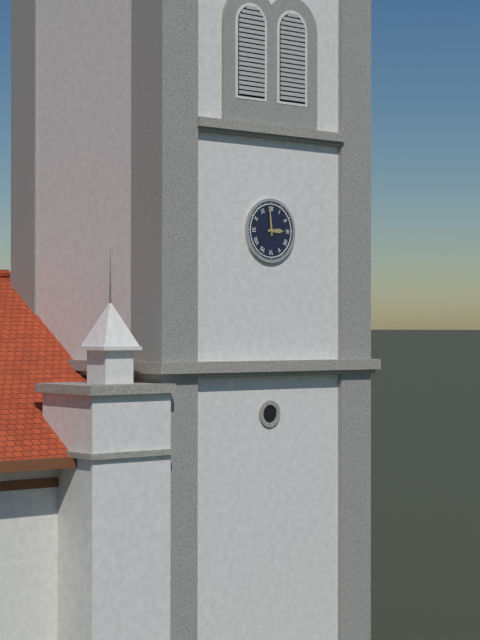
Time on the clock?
2:59
